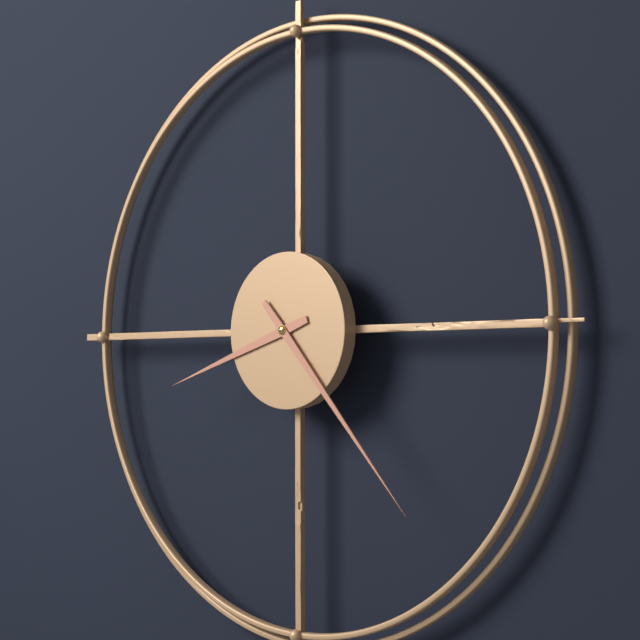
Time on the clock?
8:23
